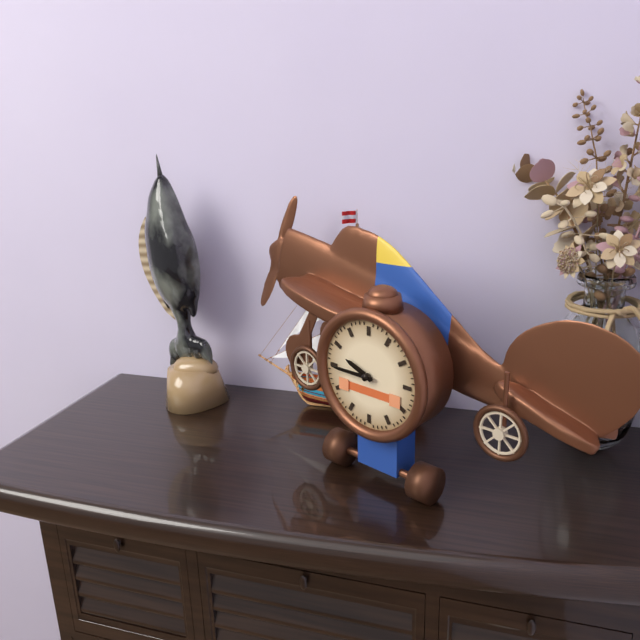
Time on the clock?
9:45
